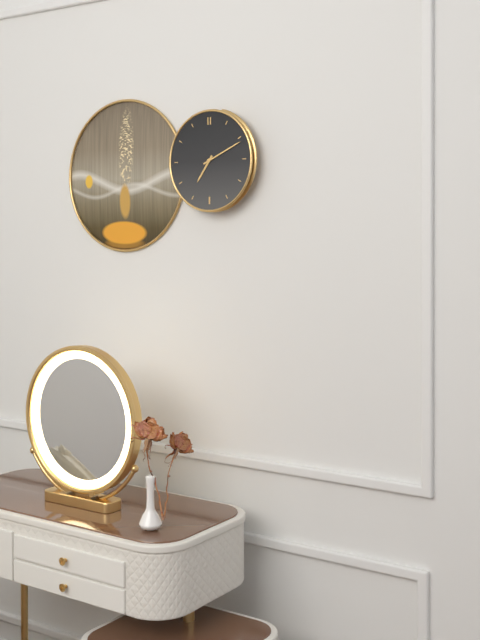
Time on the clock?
7:11
